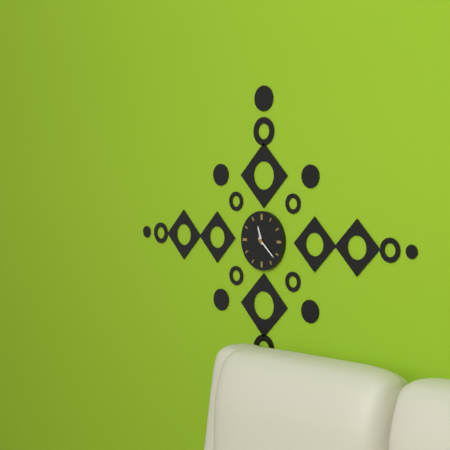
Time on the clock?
11:22
